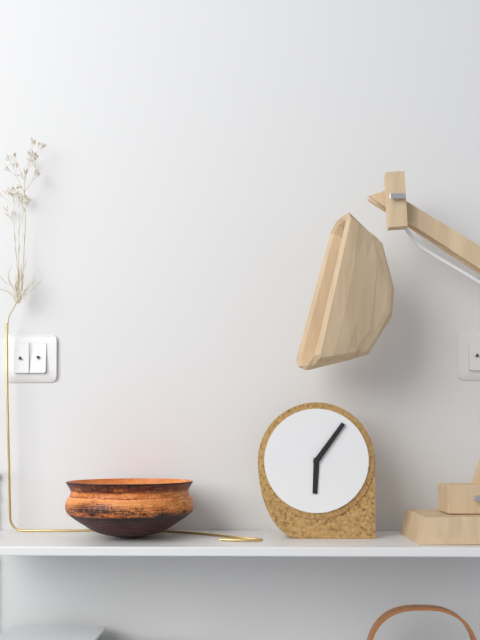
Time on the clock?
6:06
